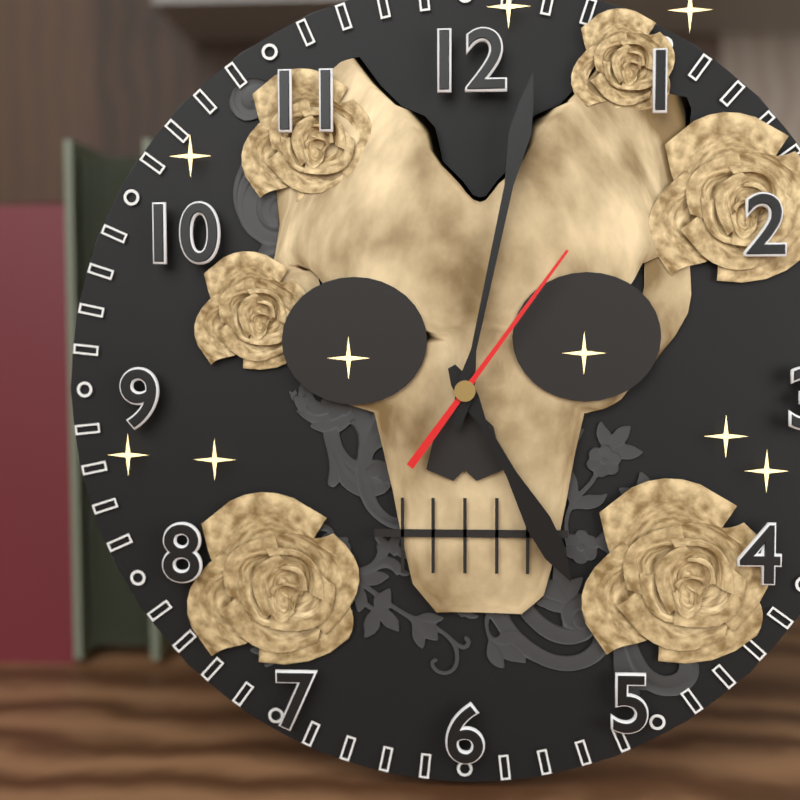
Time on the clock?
5:02:06
